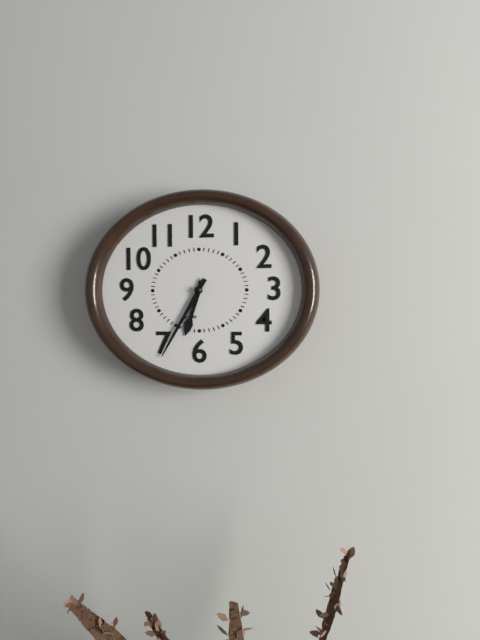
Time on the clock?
6:35
